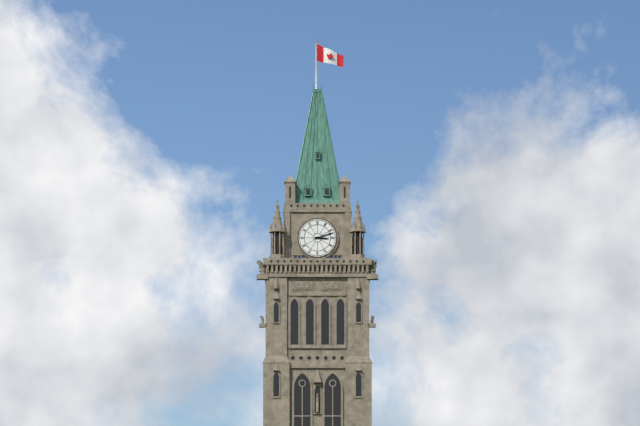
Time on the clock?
3:12
